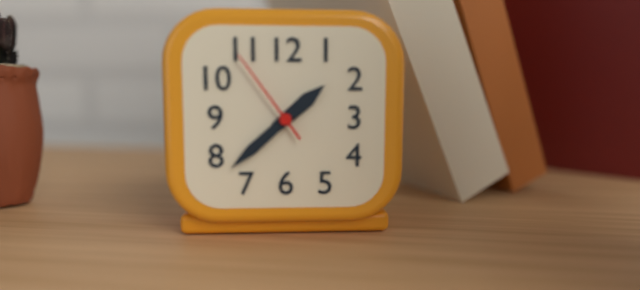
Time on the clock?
1:38:54
